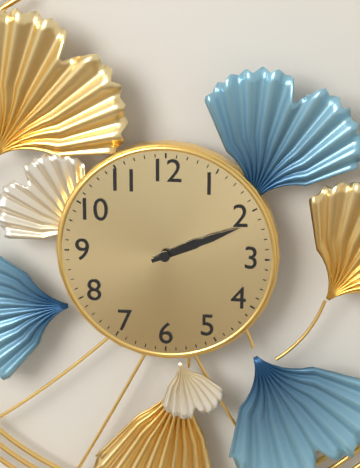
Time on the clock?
2:11
